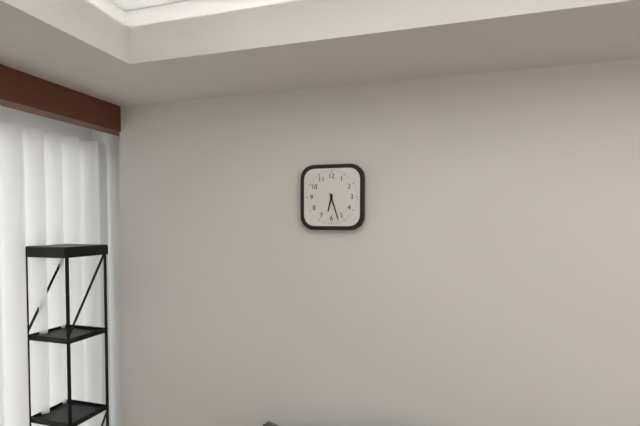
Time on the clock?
6:27
